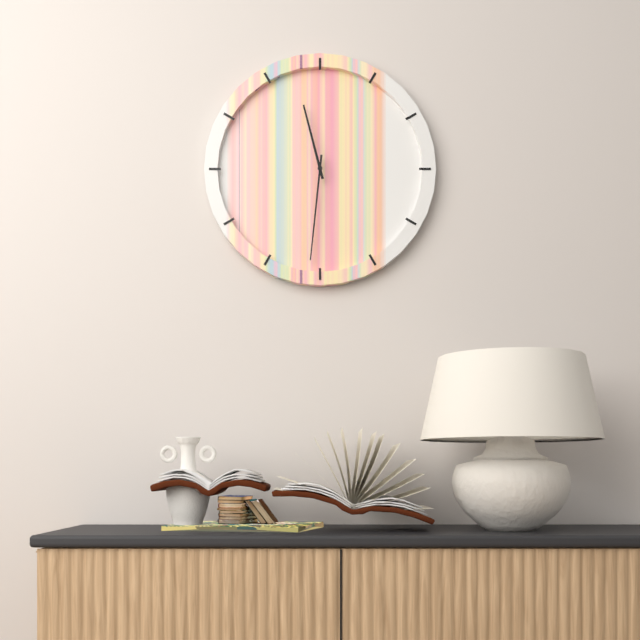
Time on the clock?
11:31
